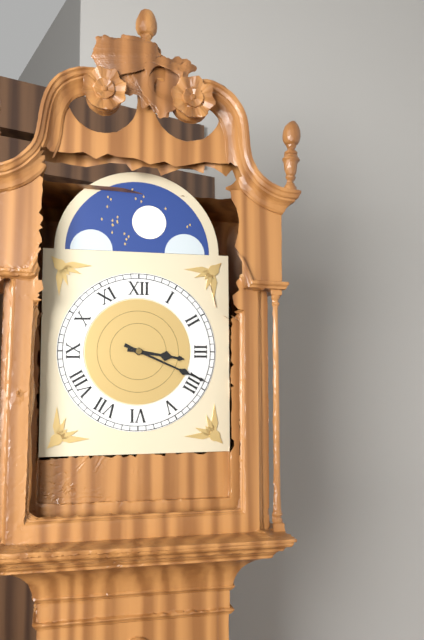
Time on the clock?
3:19
